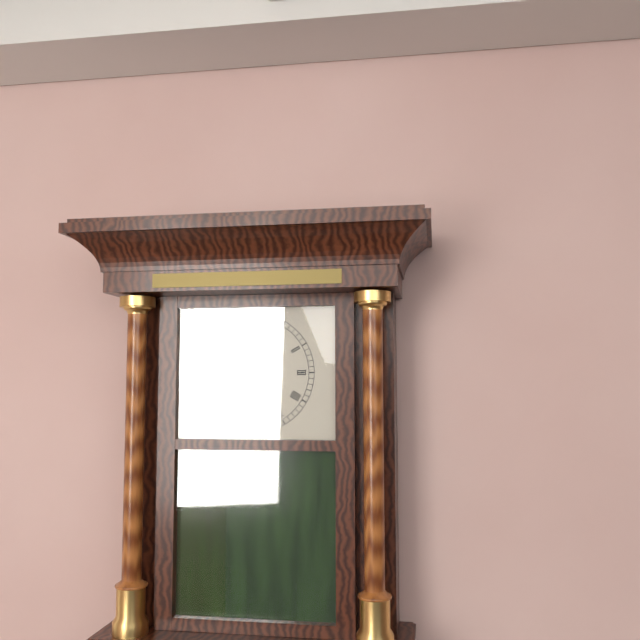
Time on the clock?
10:37
